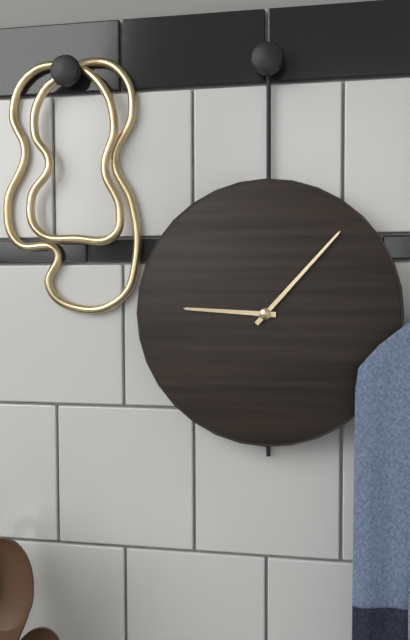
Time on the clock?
9:07
